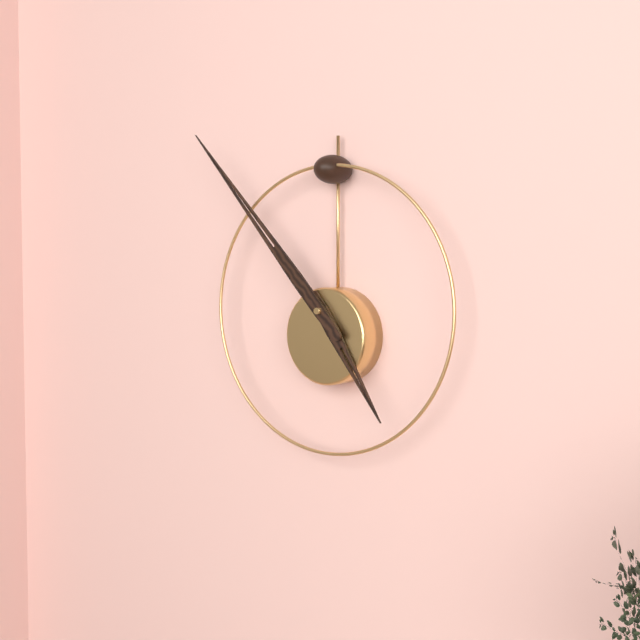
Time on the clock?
4:53
